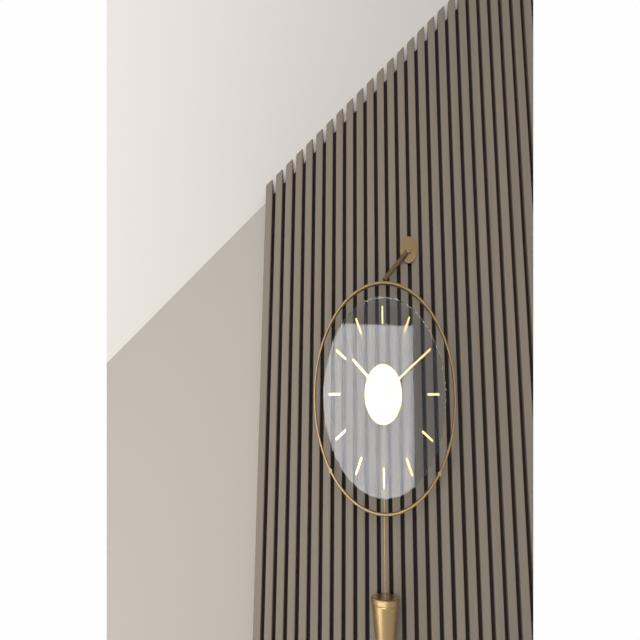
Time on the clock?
10:10
